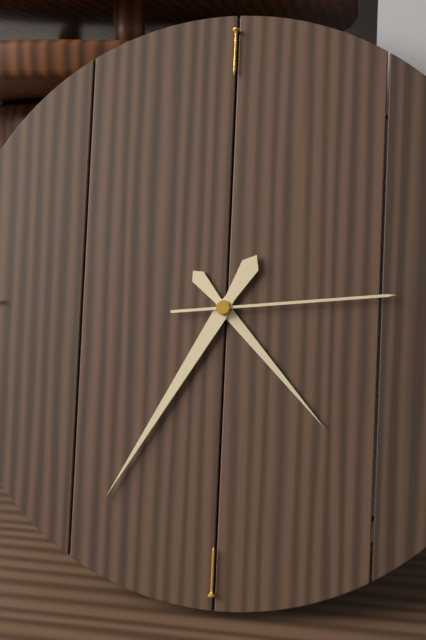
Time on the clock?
4:35:14
